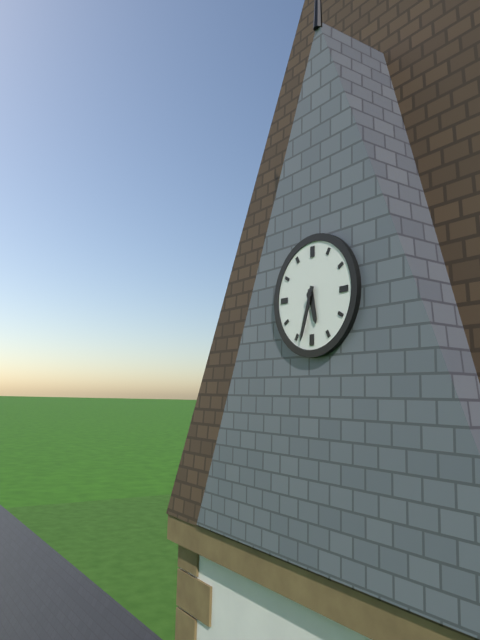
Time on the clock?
5:33
